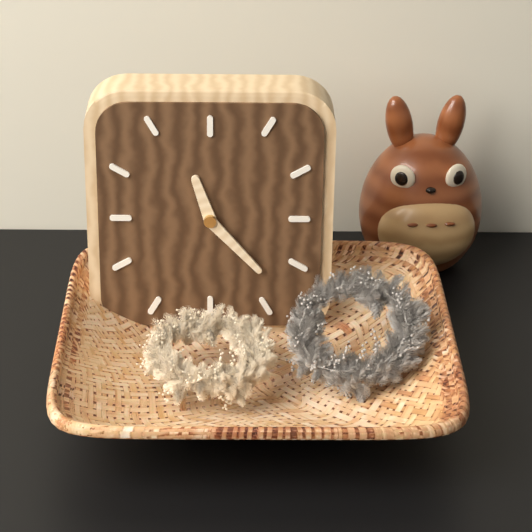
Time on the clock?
11:23
